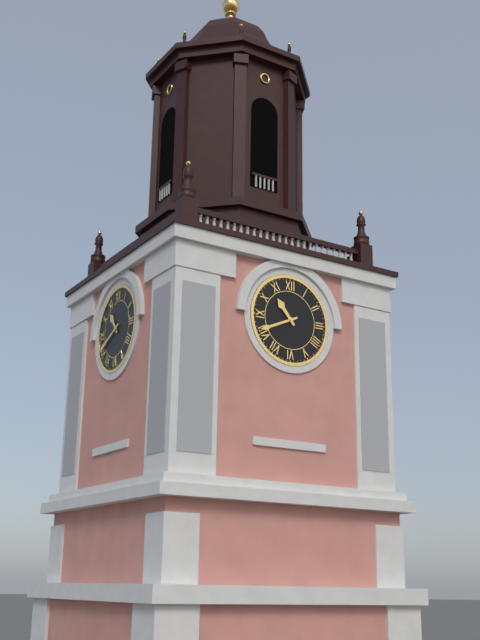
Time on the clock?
10:41
